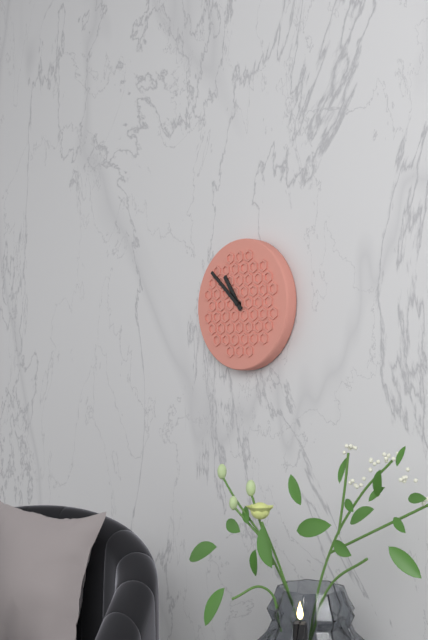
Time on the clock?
10:52
